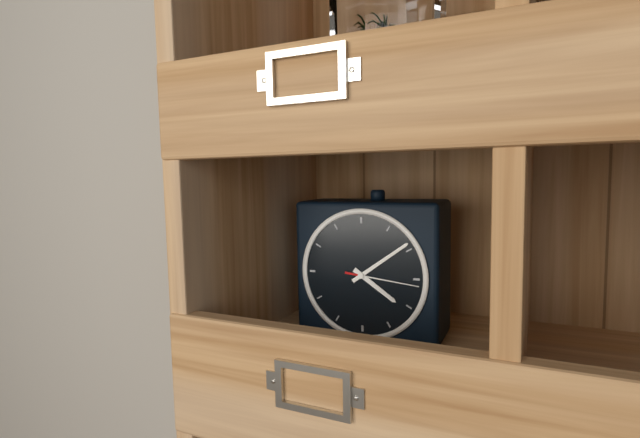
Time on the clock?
4:09:16
